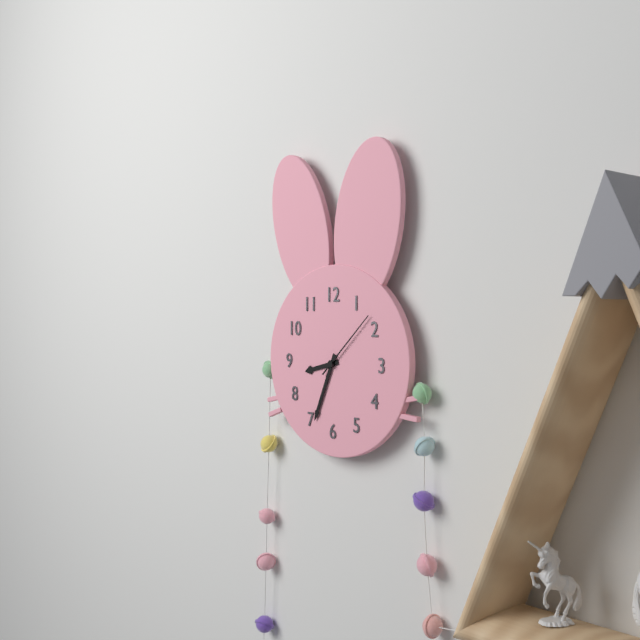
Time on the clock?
8:34:08
